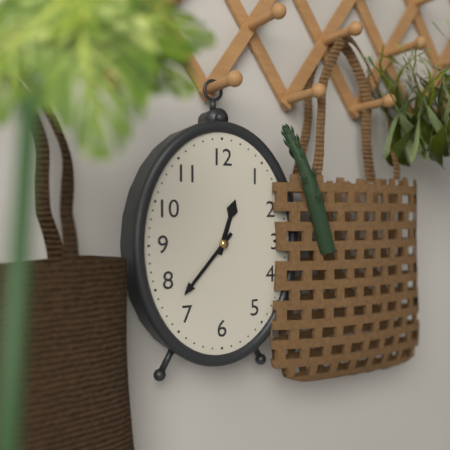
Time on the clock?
12:37
